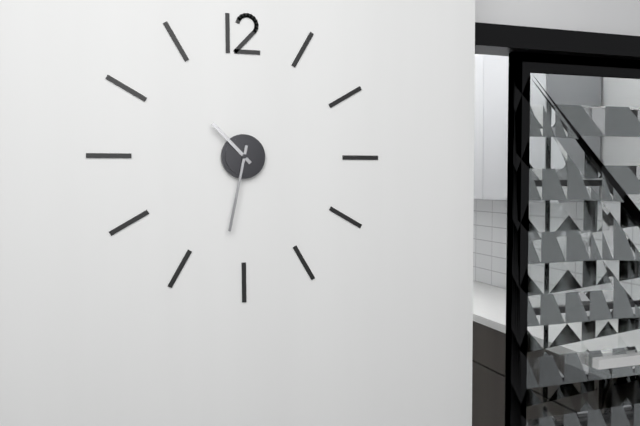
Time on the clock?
10:32
